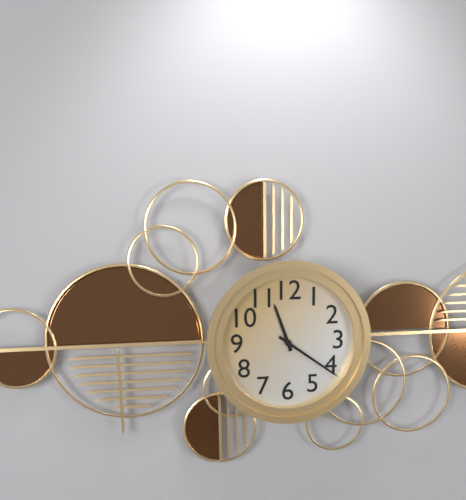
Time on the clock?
11:21
